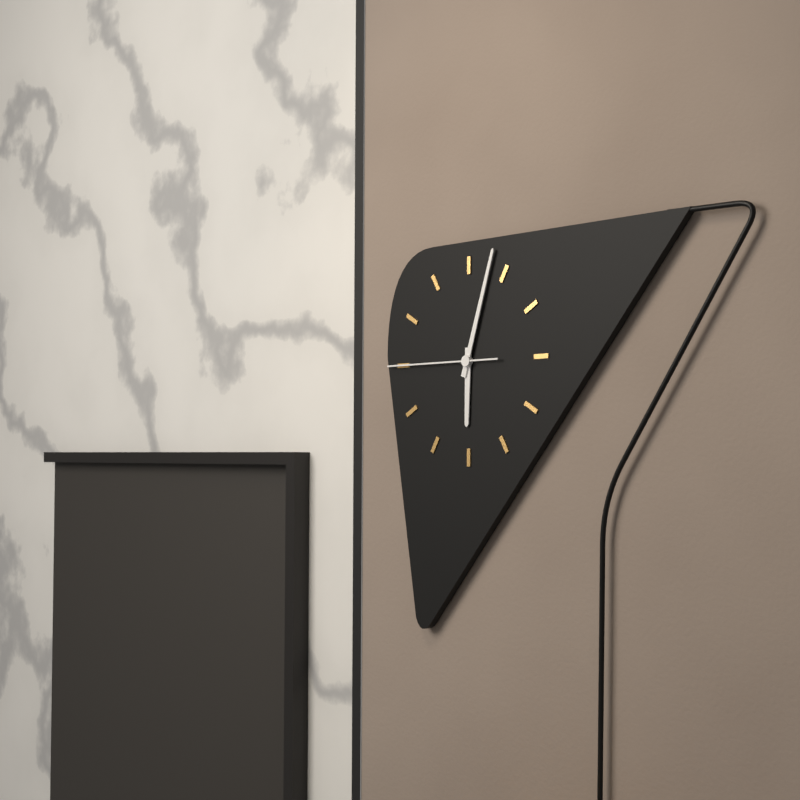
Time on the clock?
6:03:45
